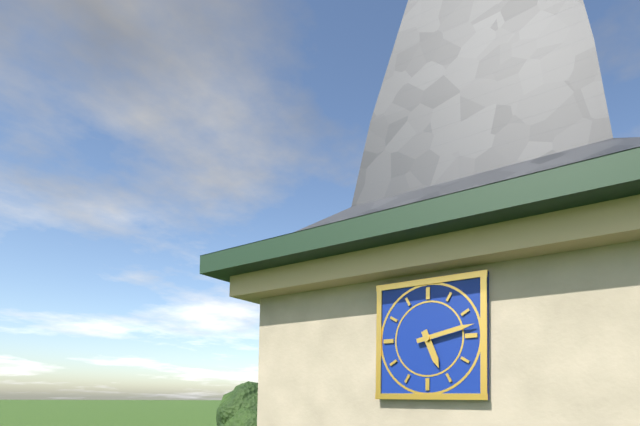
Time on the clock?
5:13
